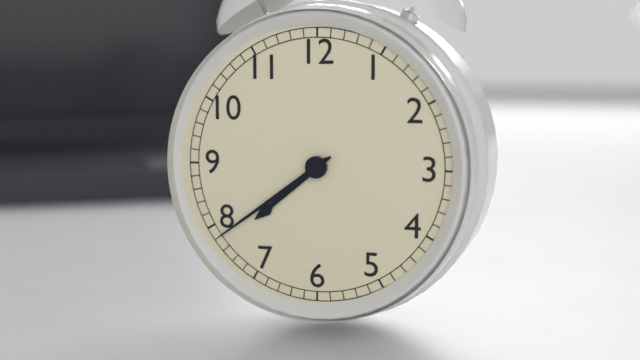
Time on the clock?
7:39
